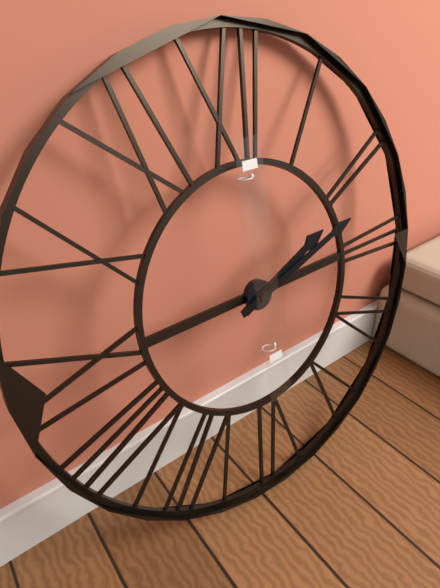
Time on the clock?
2:12
